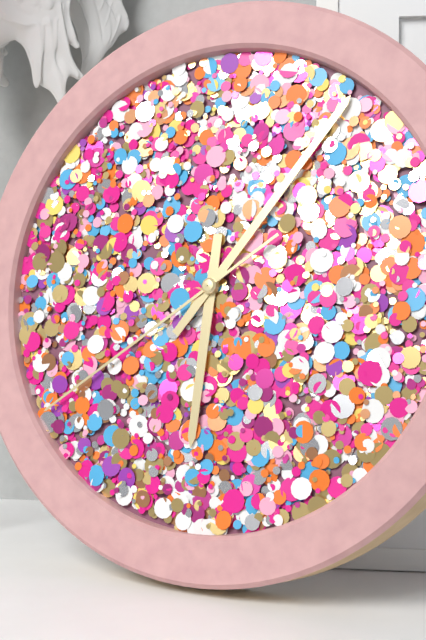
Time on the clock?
6:06:39
